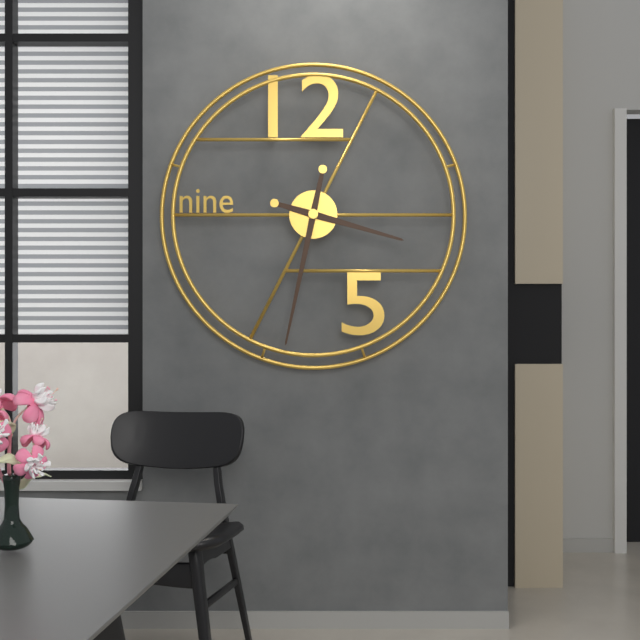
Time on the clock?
3:32
